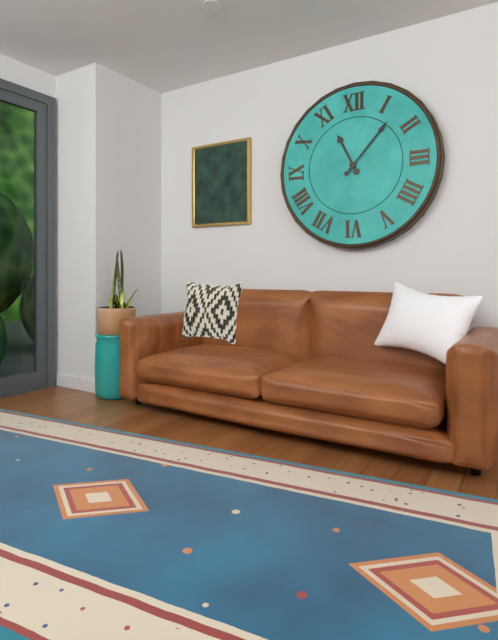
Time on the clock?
11:07
